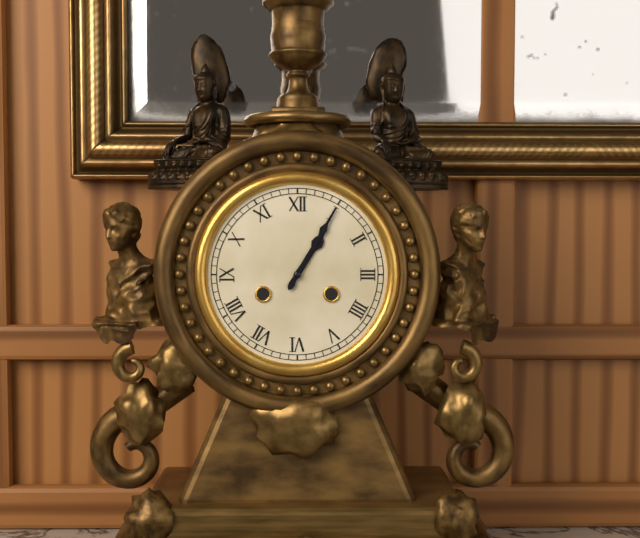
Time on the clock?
1:05
